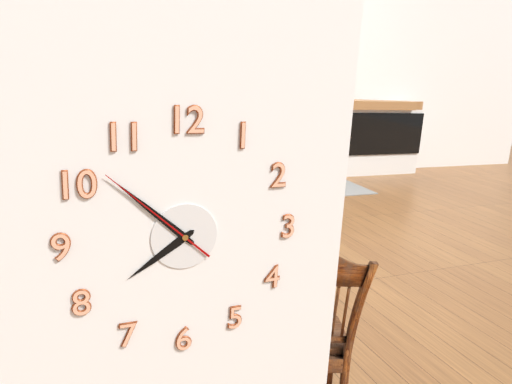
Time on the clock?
7:52:52
